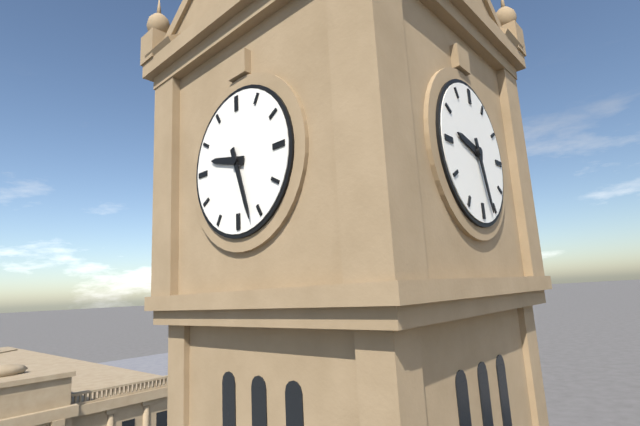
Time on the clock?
9:27
